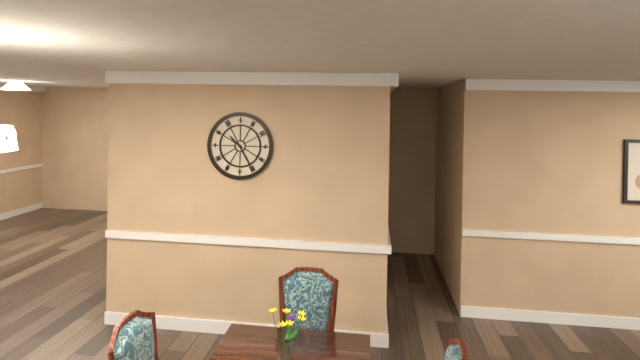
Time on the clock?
10:25
